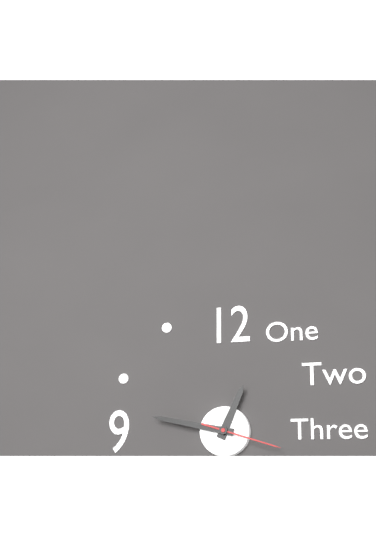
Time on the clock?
12:47:18
